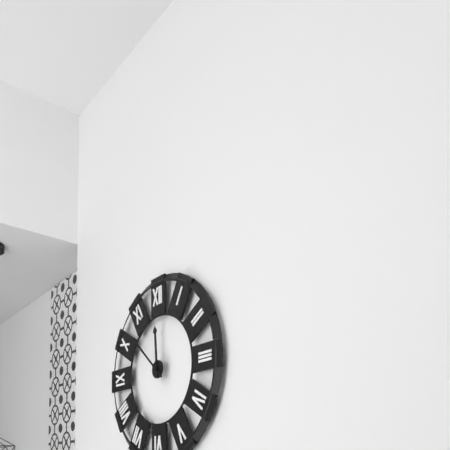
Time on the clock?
11:52
